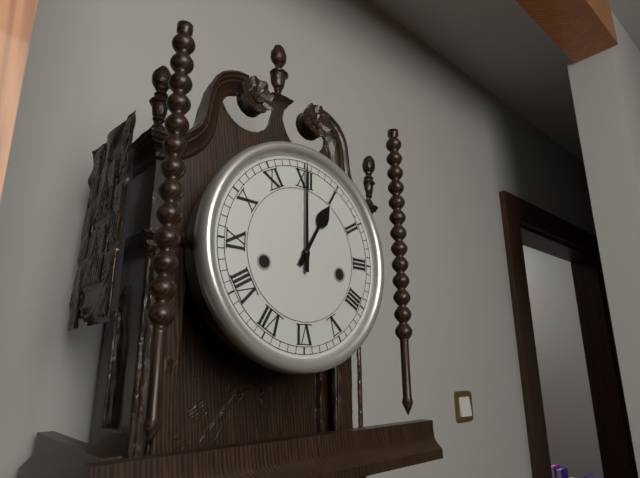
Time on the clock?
1:00
